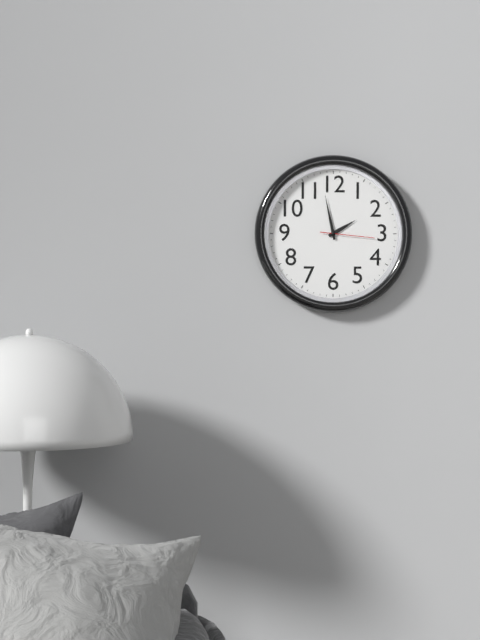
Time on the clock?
1:58:16
